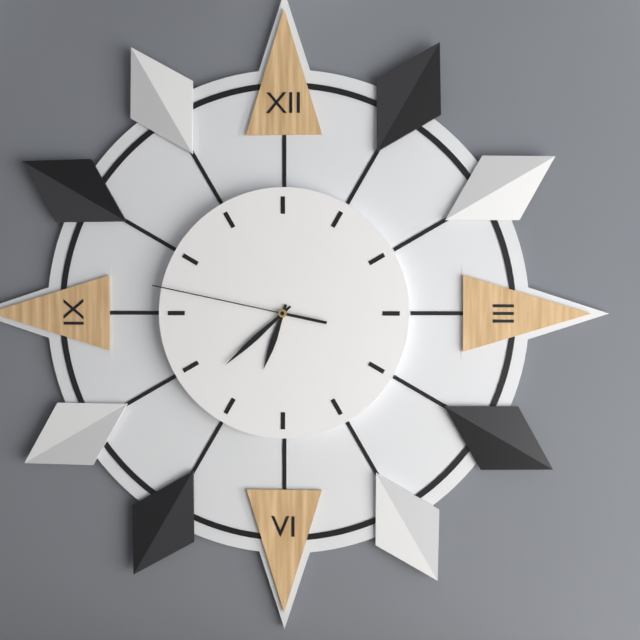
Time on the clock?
6:38:47
